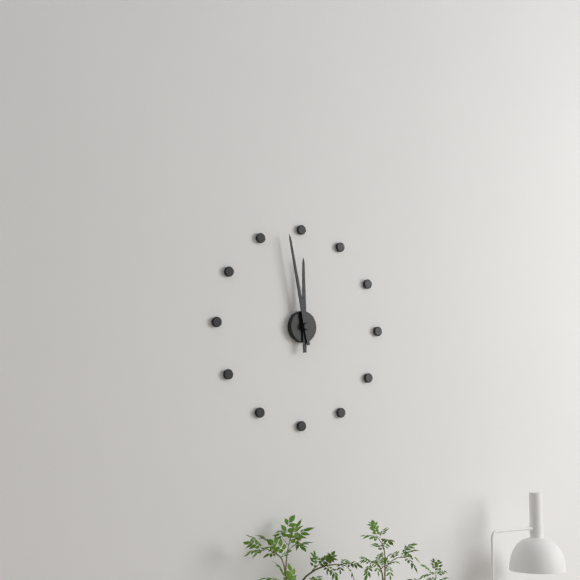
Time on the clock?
11:58
